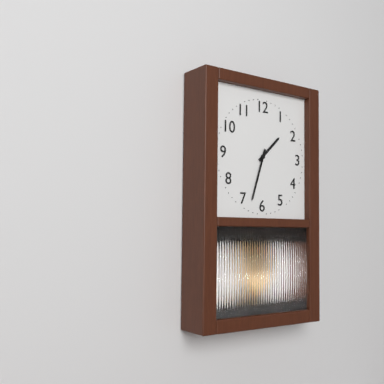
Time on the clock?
1:33
